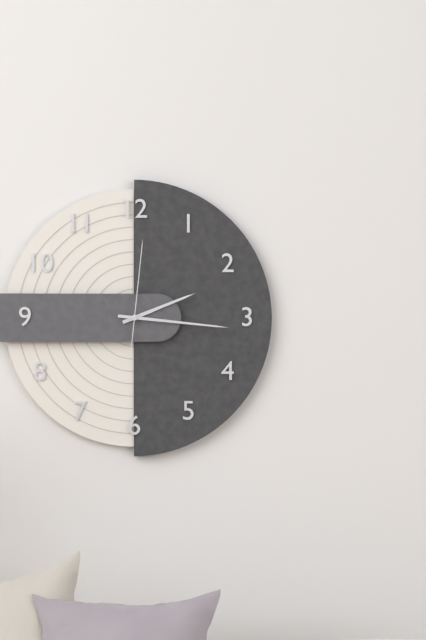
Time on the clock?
2:16:01
